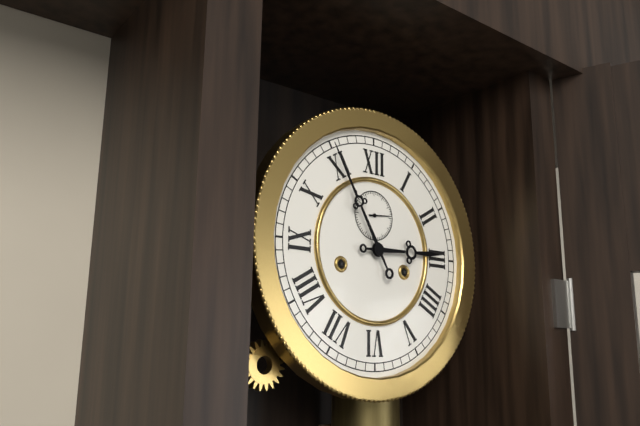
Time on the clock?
2:55
